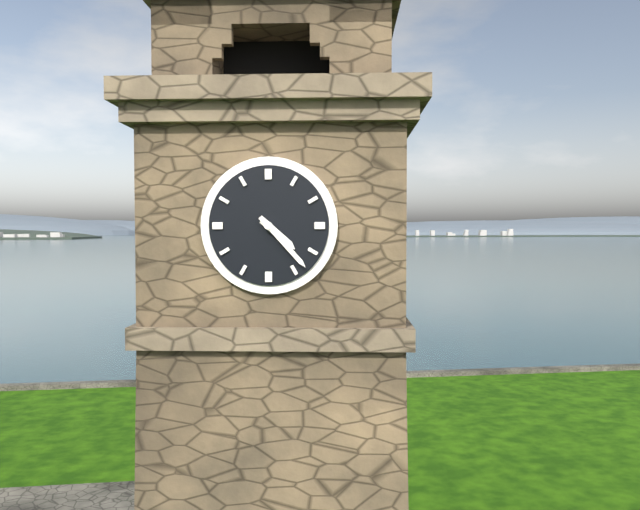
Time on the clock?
4:23
